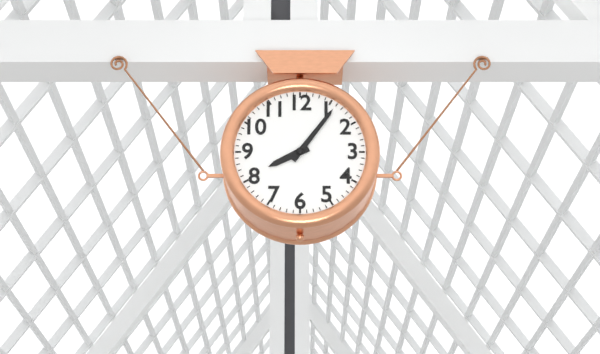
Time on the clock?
8:06
